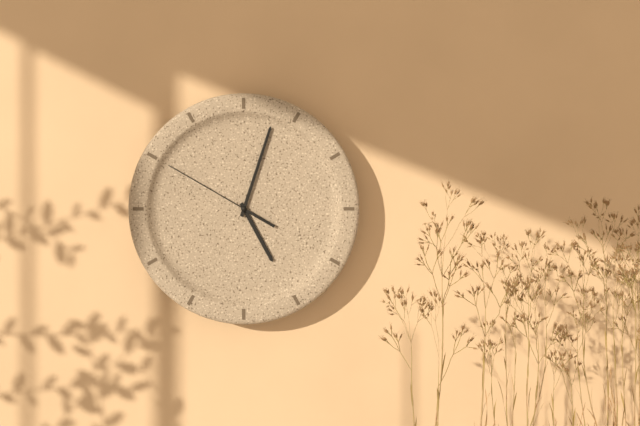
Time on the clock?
5:03:50
